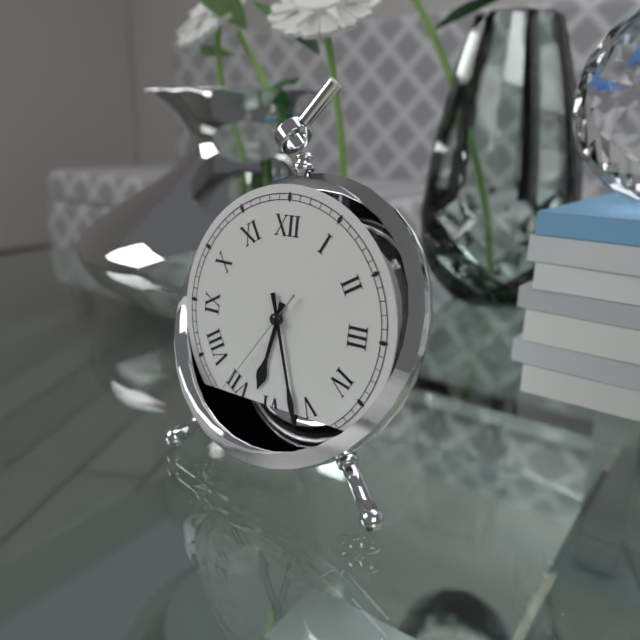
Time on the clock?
6:27:36
